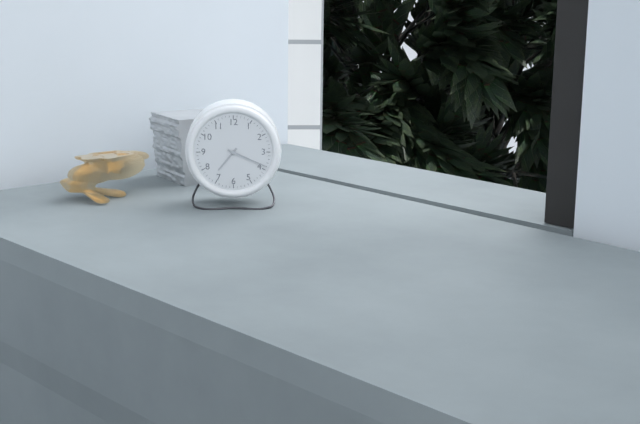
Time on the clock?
7:19
